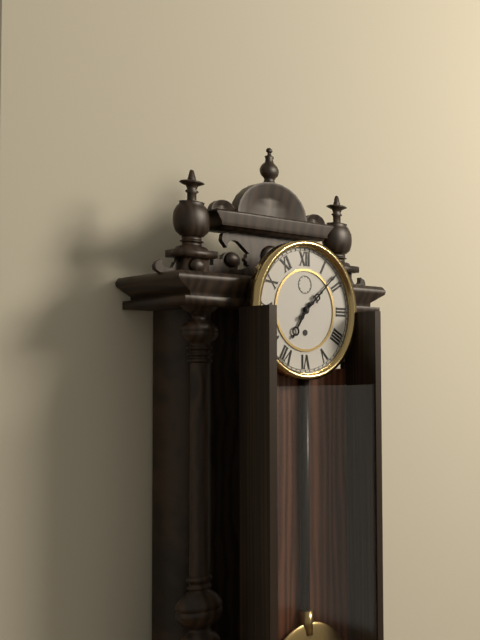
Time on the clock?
7:08
